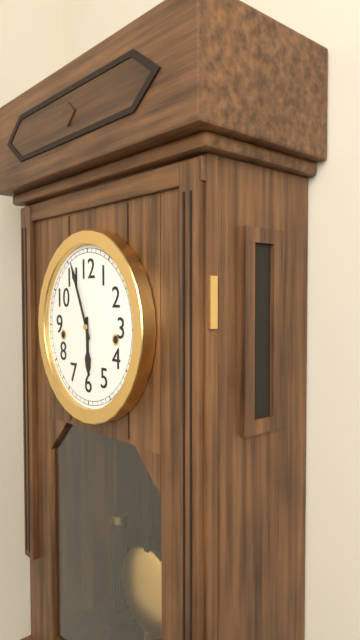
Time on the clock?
5:56
